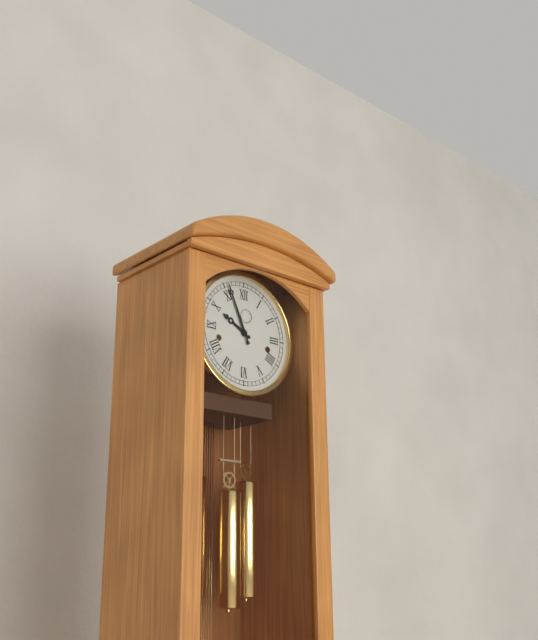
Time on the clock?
9:56
